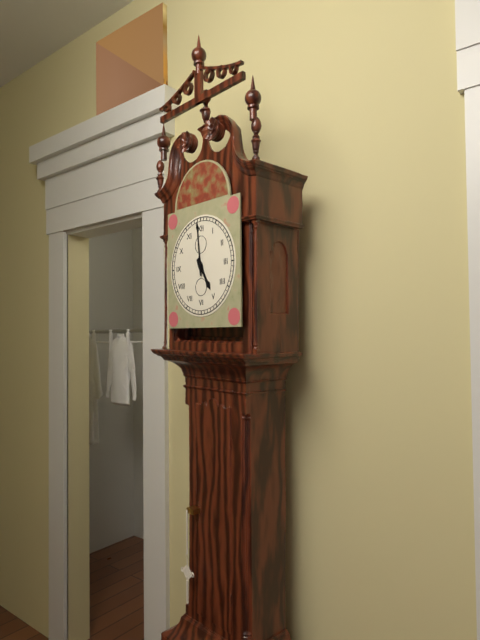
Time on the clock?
4:59
